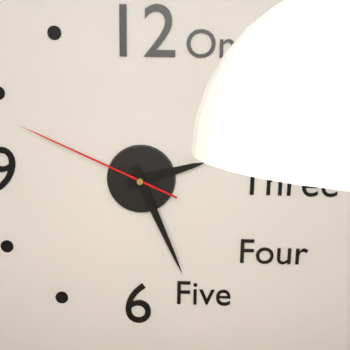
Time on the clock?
2:26:49
